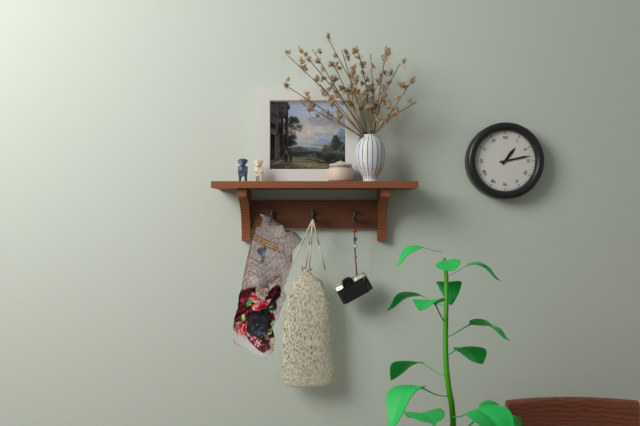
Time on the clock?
1:13
